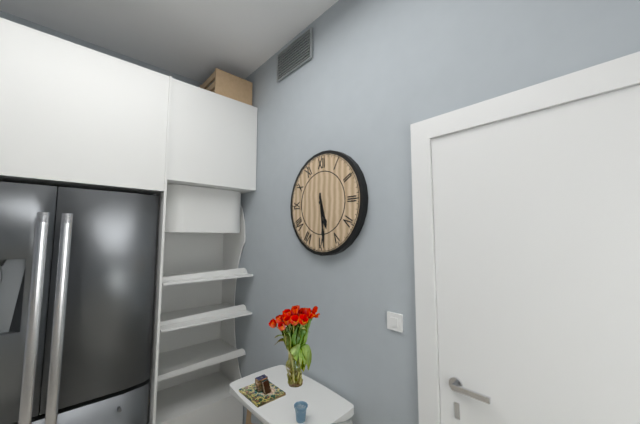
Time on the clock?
5:29
